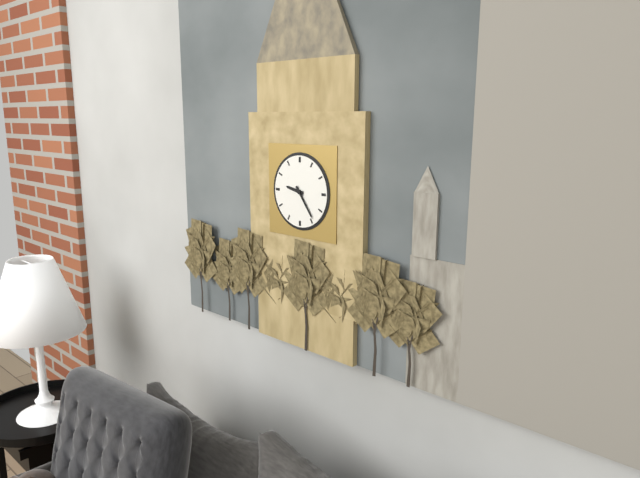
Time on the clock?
9:24
